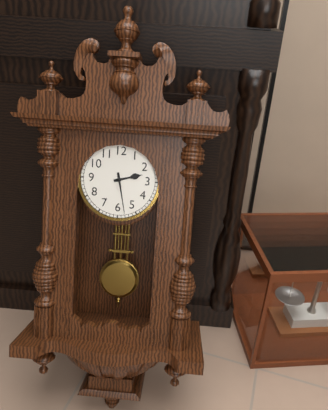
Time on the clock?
2:28
